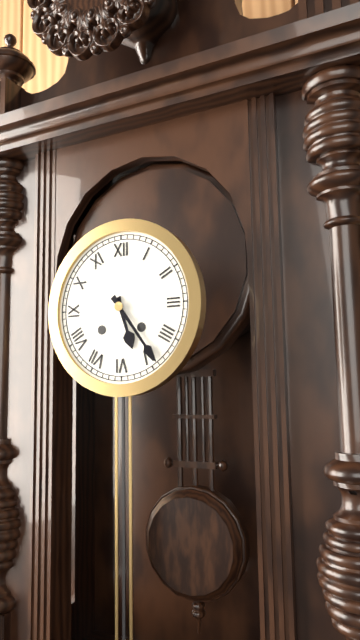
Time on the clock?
5:24
